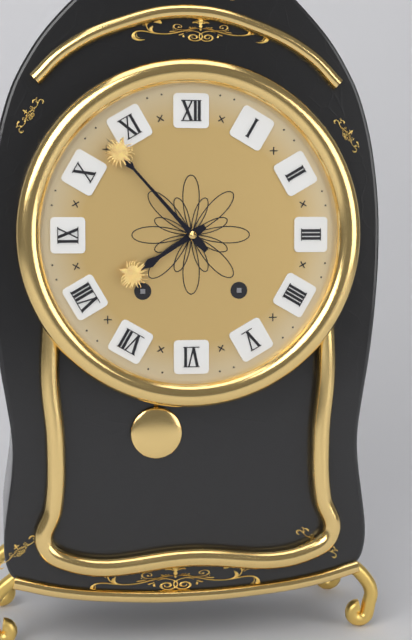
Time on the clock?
7:53
